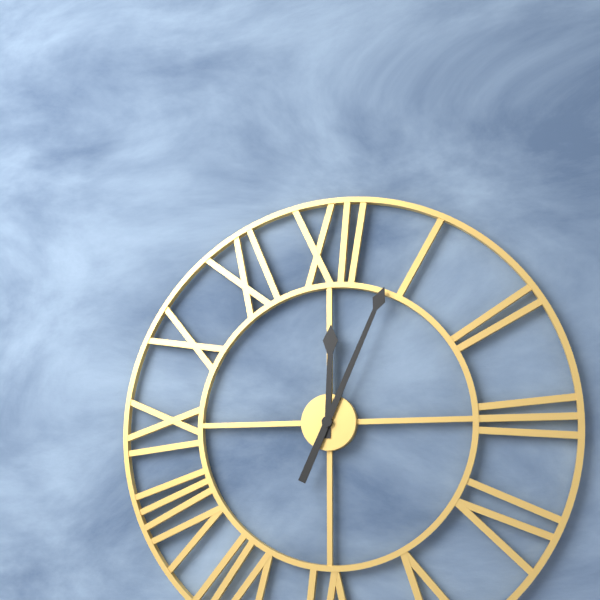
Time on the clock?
12:04
